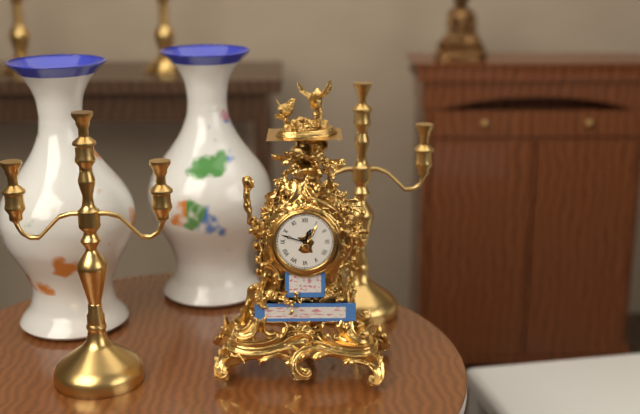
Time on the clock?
12:48
